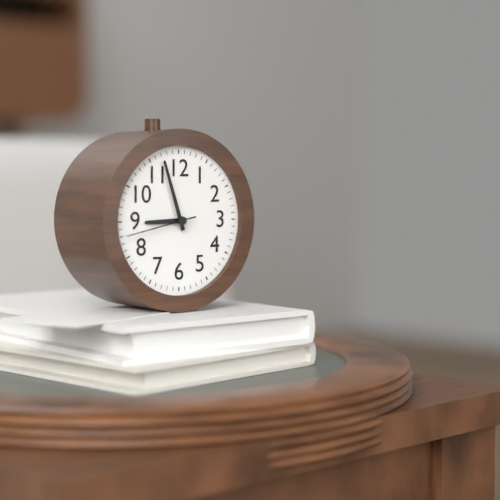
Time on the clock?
8:57:43
